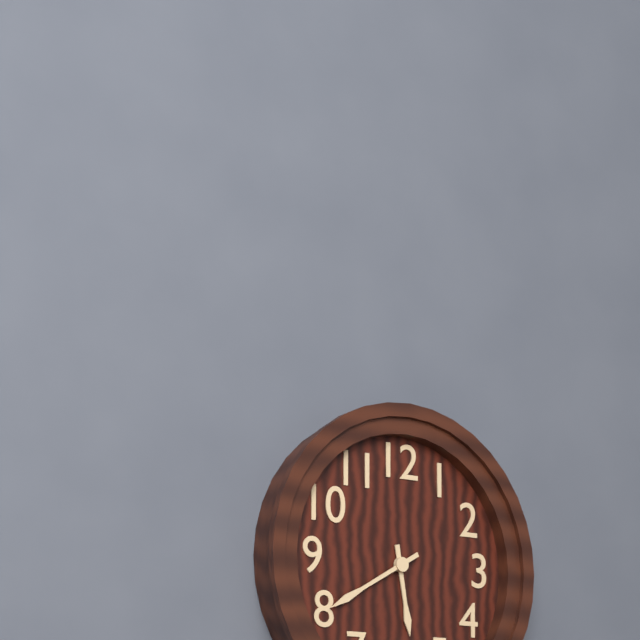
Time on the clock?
5:40
